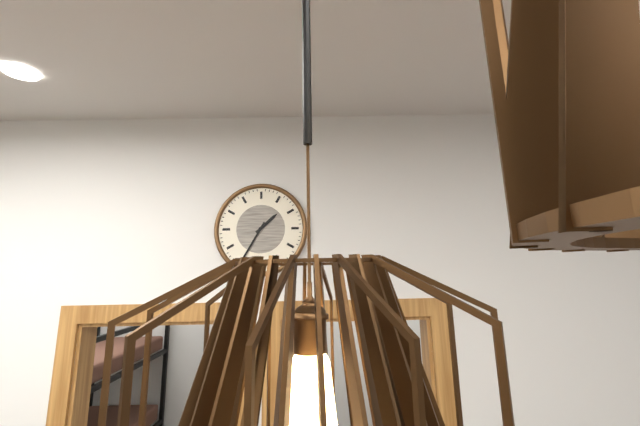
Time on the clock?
1:35
